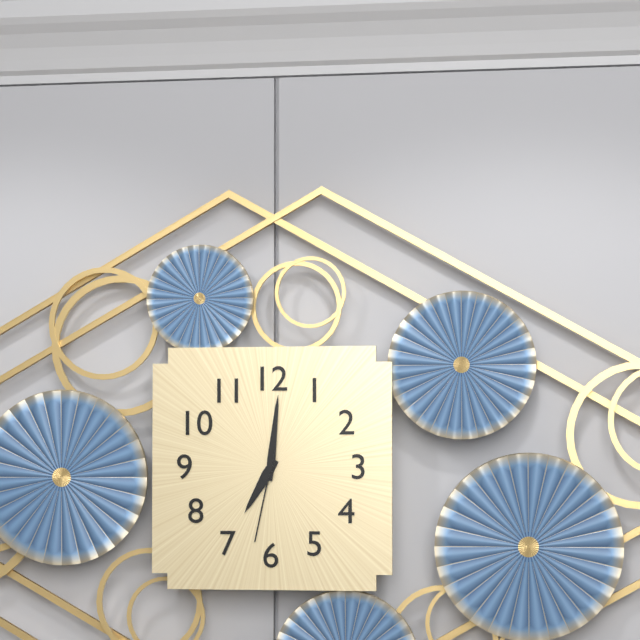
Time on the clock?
7:01:32
